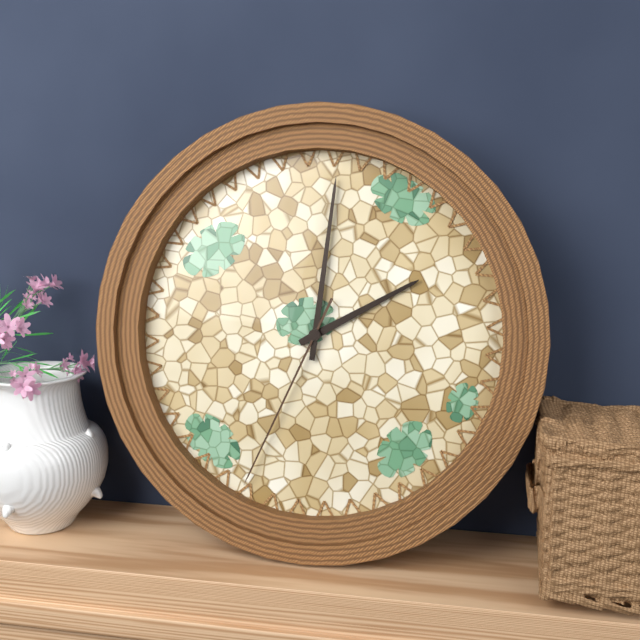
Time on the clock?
2:01:34
